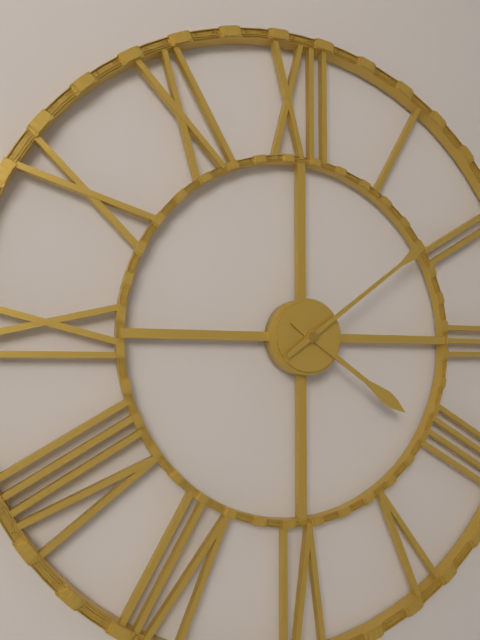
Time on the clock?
4:09
